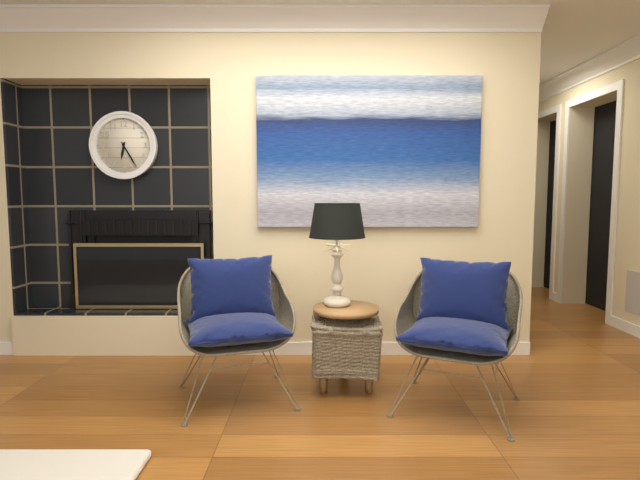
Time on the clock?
6:25
